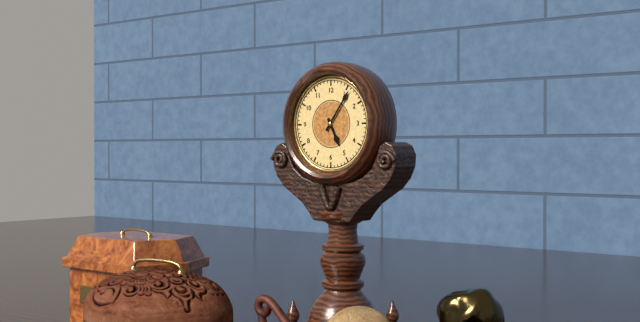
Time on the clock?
5:06
